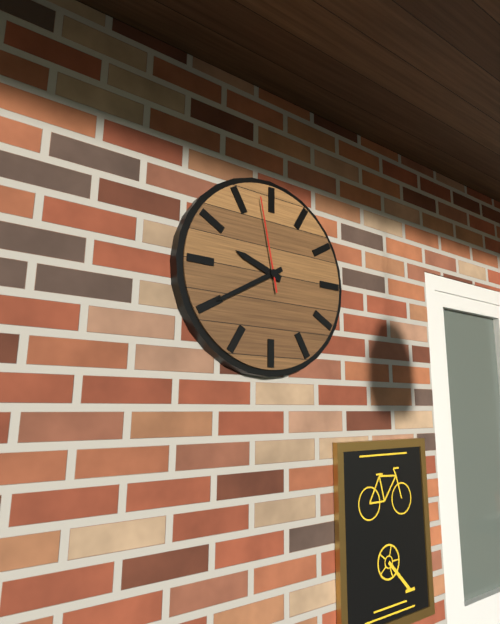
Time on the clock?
9:40:58
